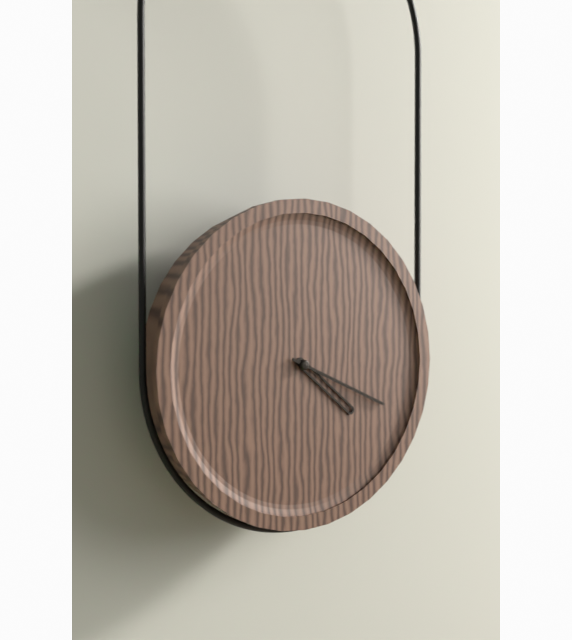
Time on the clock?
4:19
